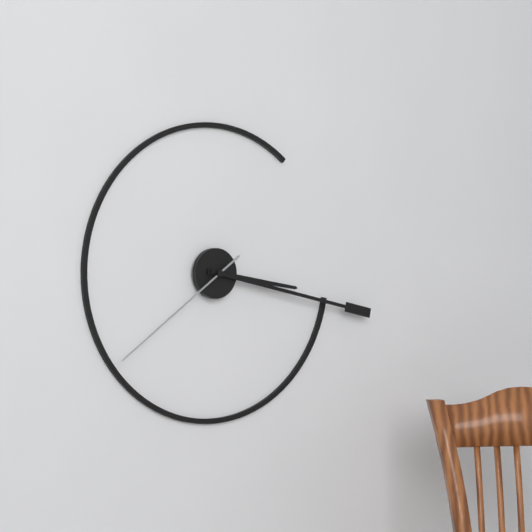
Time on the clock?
3:17:39
